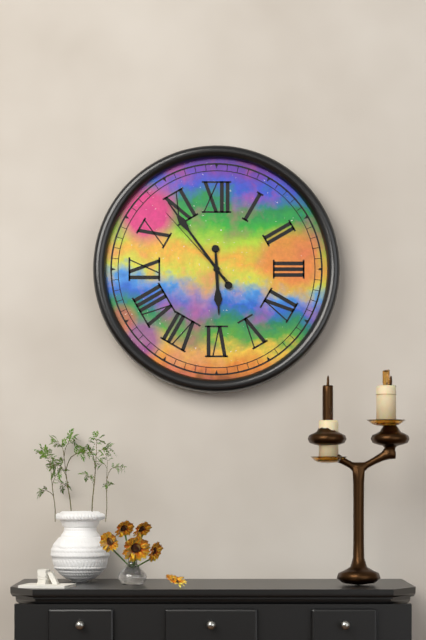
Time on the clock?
5:54:53
